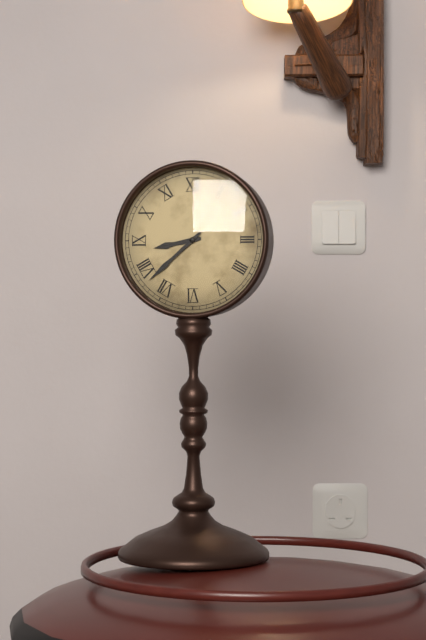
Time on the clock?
8:38
